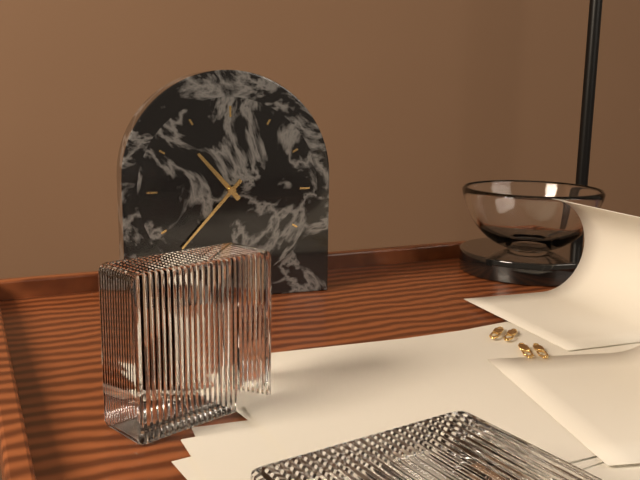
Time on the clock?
10:37
